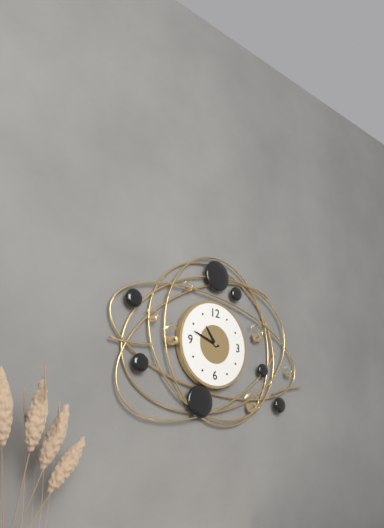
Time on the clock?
10:48
